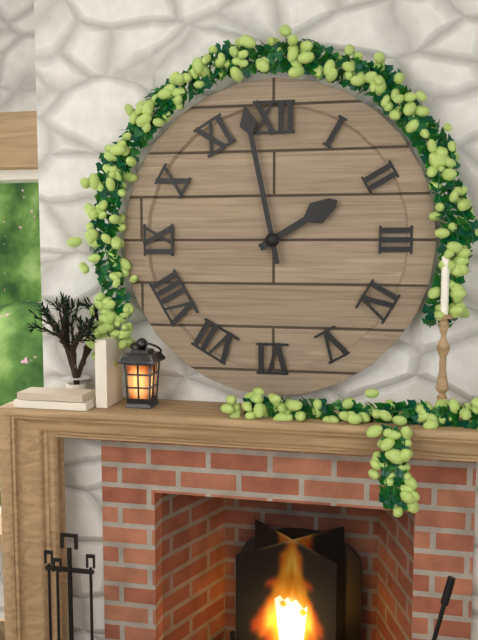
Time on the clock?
1:58
